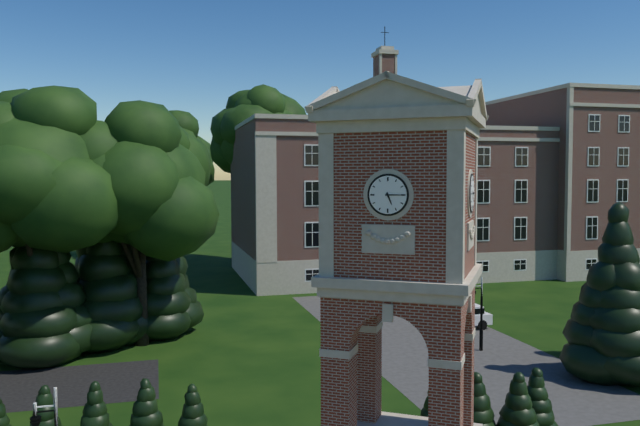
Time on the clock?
5:15
